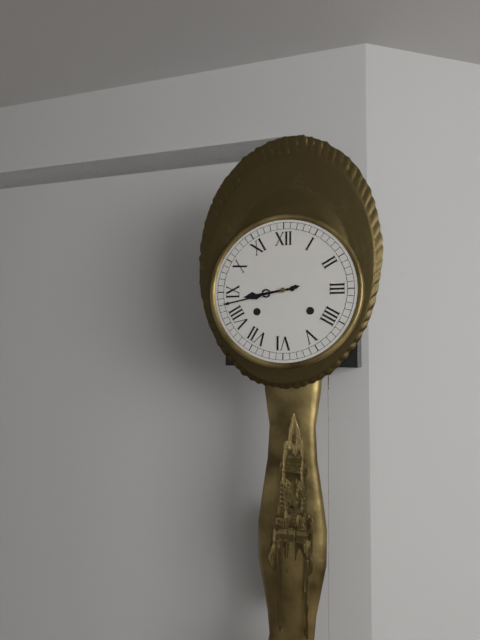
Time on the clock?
8:43
